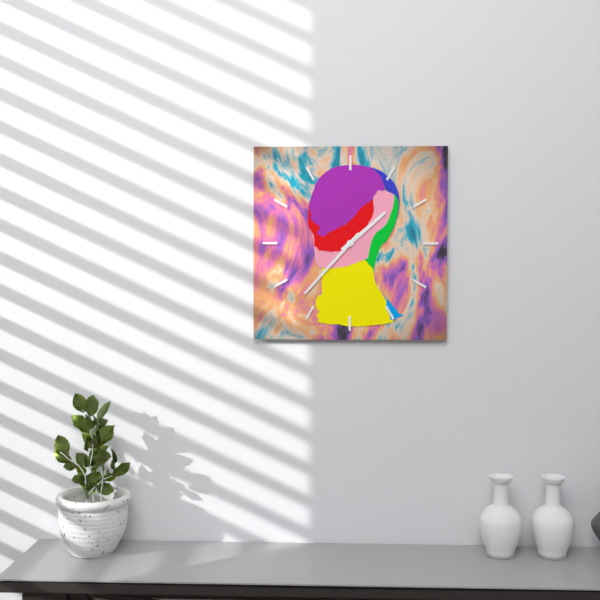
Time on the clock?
1:37
